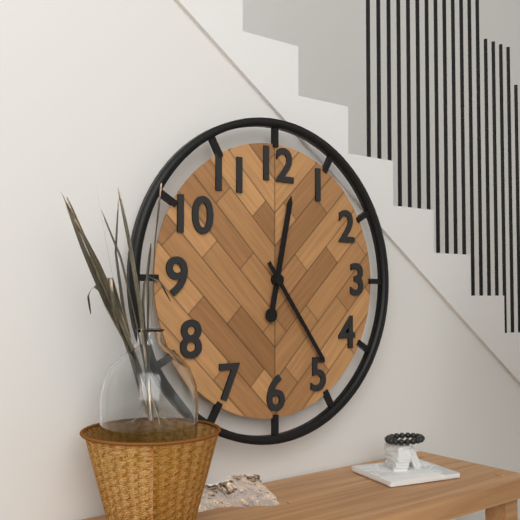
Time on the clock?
12:24
